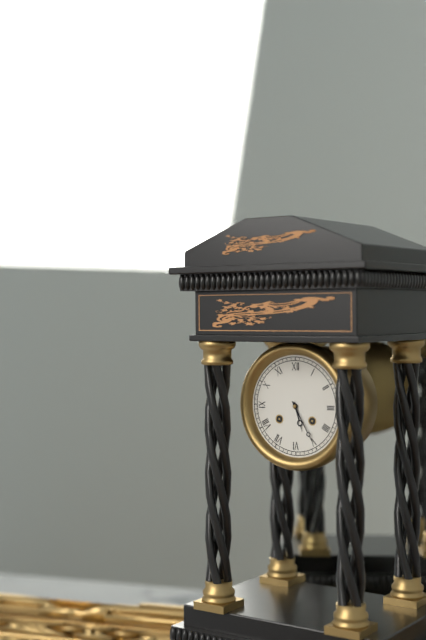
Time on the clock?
5:25
